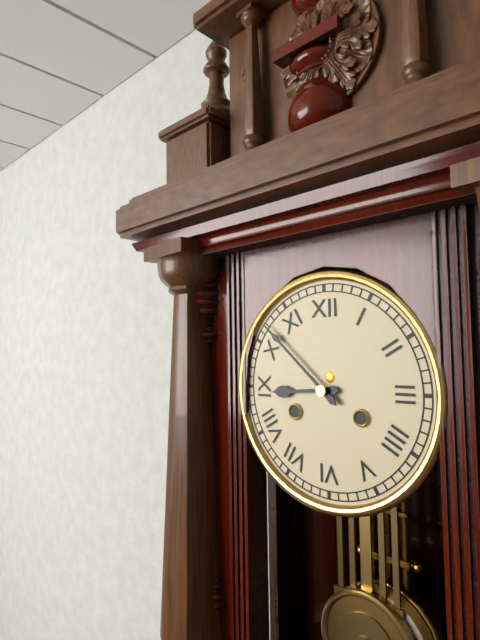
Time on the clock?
8:52
